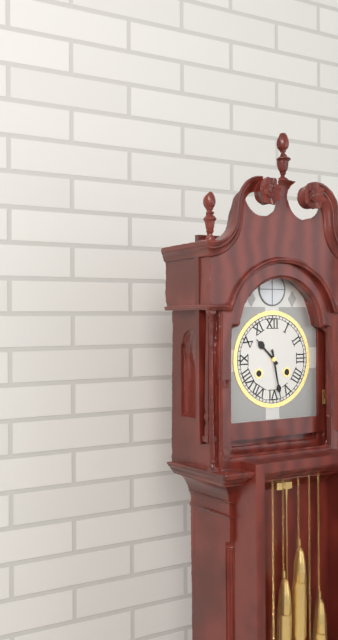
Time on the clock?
10:28
